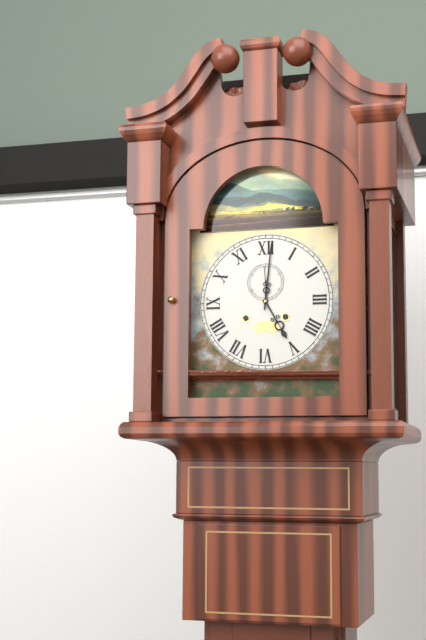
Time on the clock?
5:01
